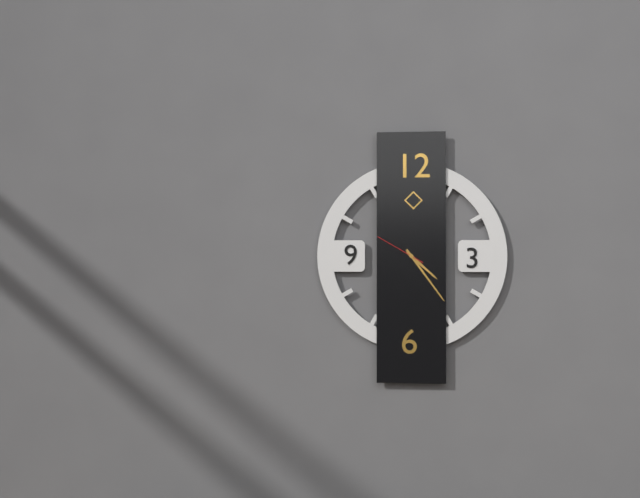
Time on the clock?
4:24
